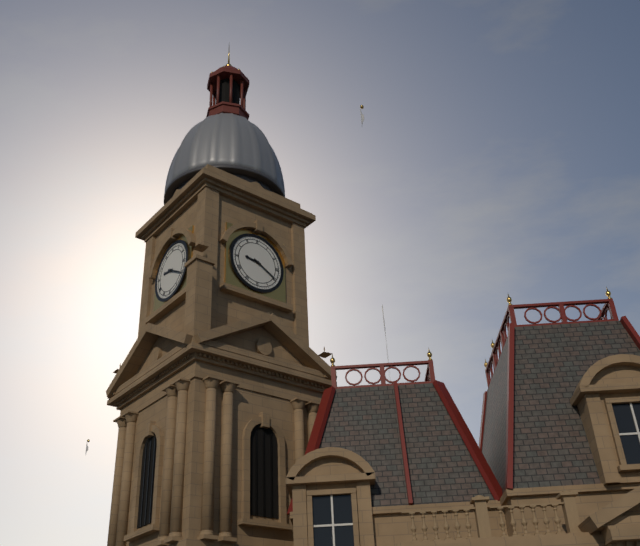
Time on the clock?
9:20
